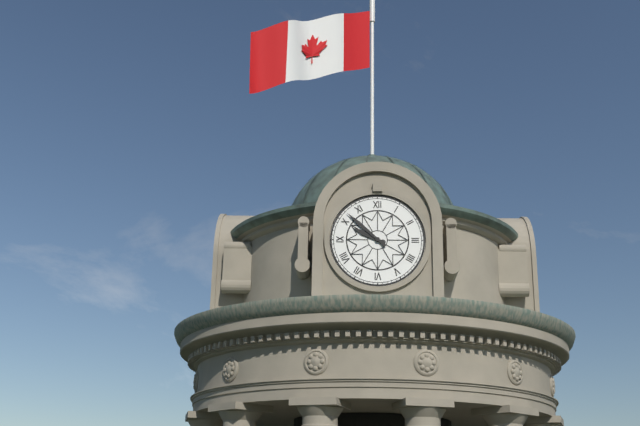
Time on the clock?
9:52
